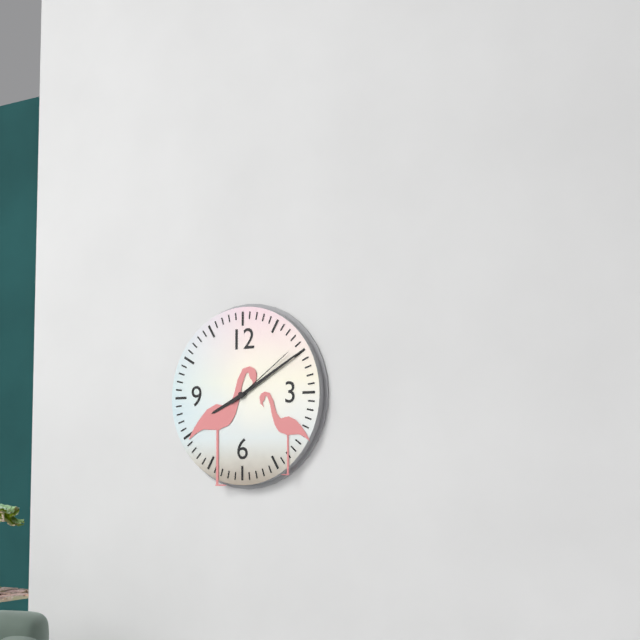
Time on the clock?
8:10:09
